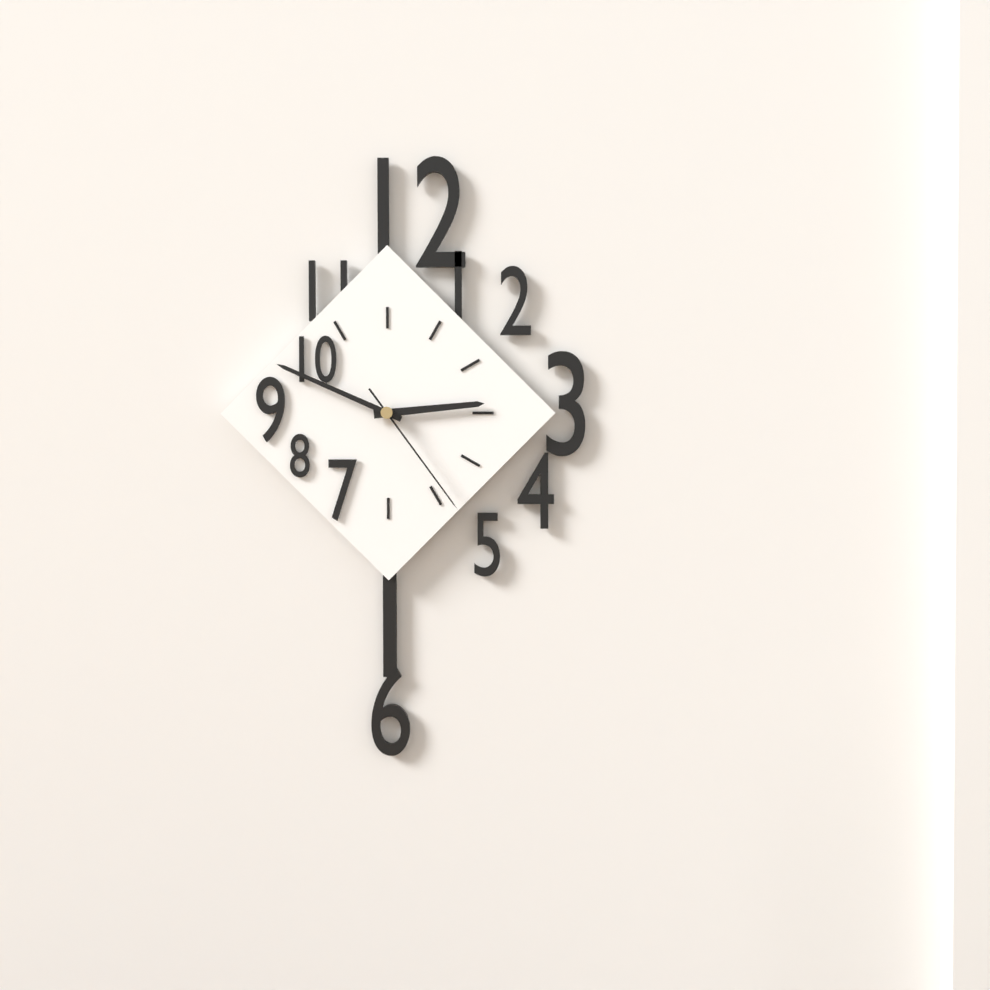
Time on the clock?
2:49:24
